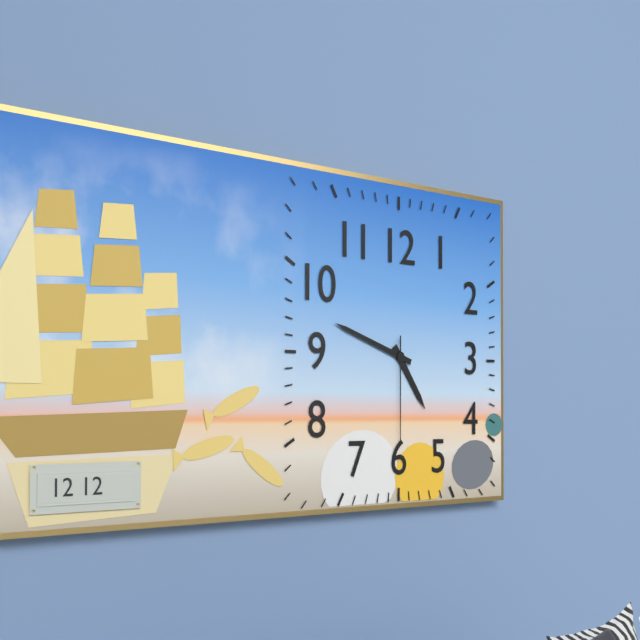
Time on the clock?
4:48:30
